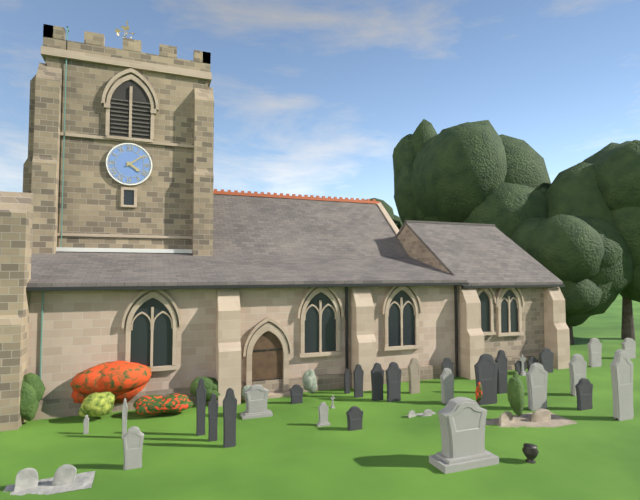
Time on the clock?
4:09
